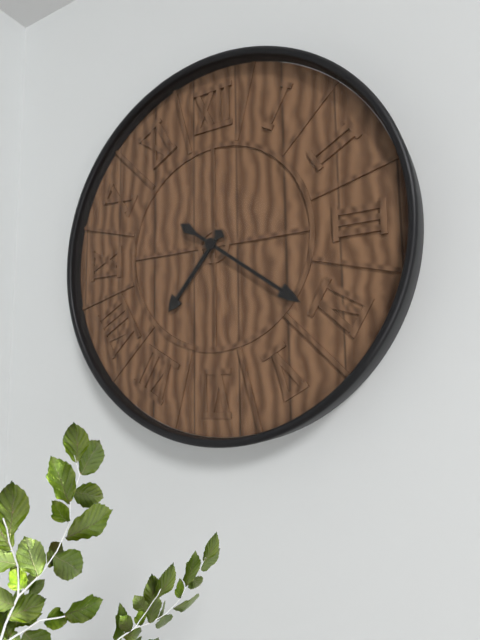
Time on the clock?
7:21
